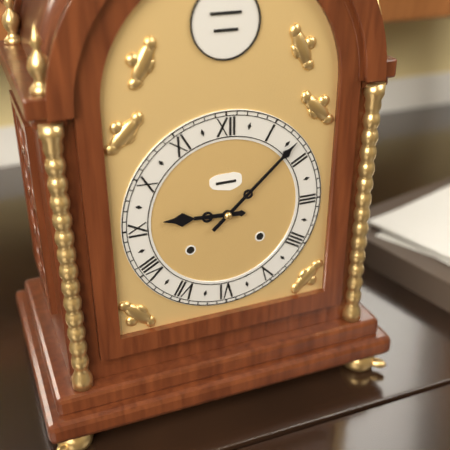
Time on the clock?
9:08
